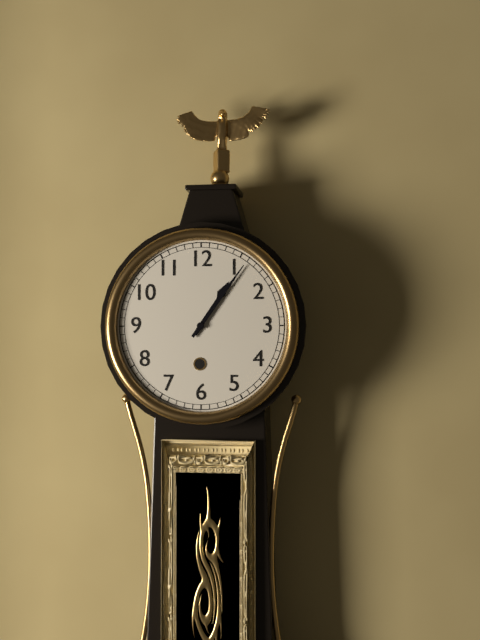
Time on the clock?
1:06
